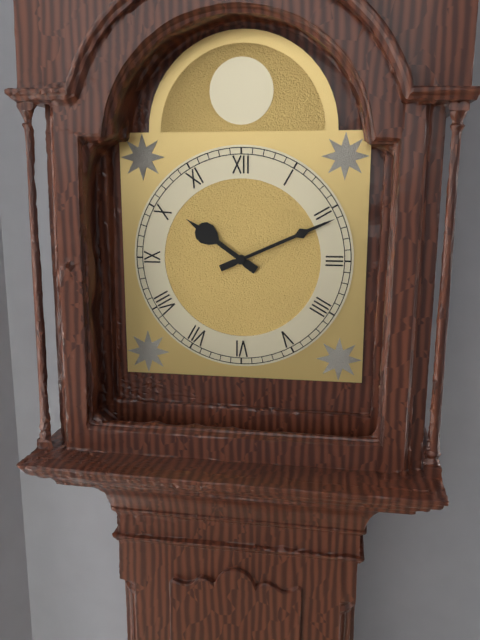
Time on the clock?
10:11
